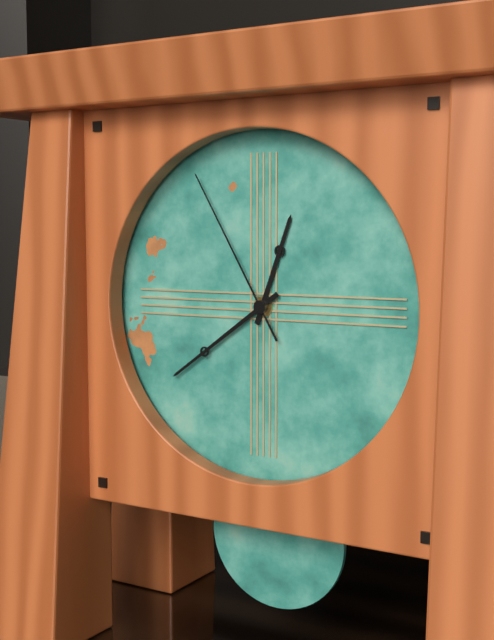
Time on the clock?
12:39:55
